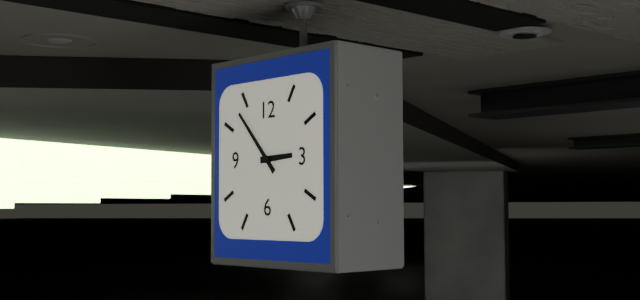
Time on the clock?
2:53
